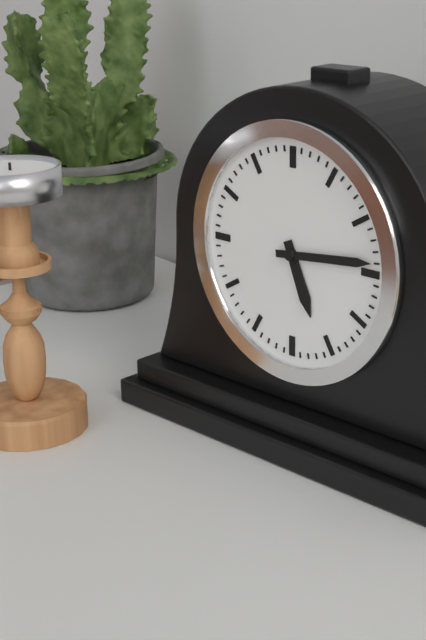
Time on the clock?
5:14
